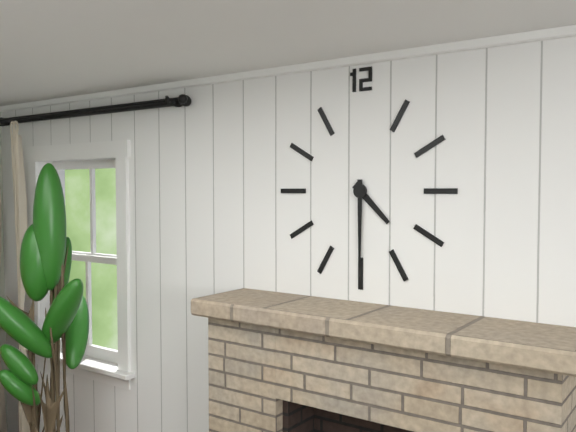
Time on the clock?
4:30
